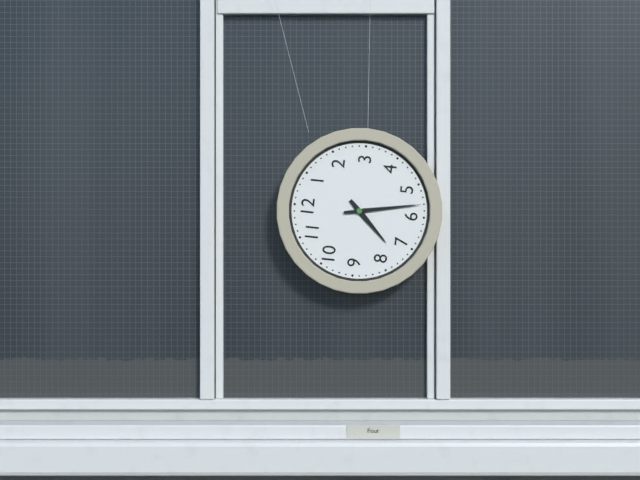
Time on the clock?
7:28
